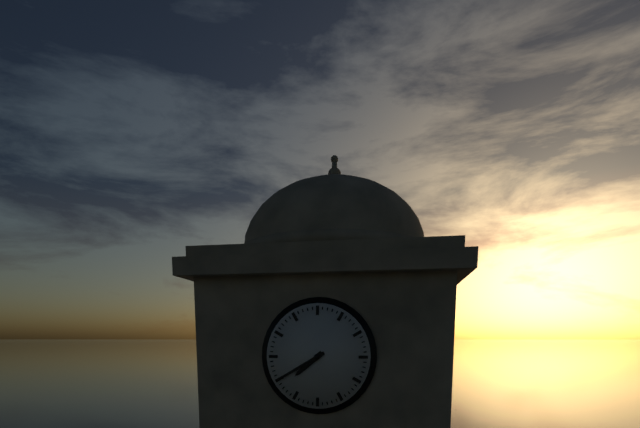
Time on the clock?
7:40
